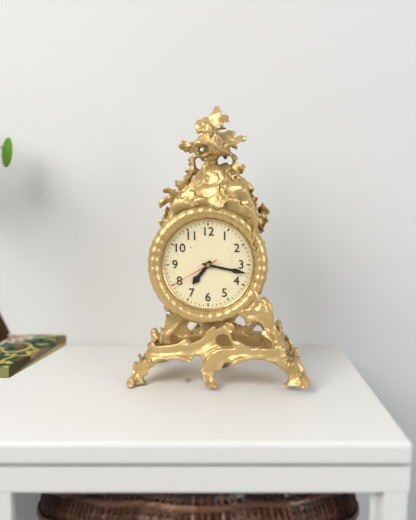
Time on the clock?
7:17:40
